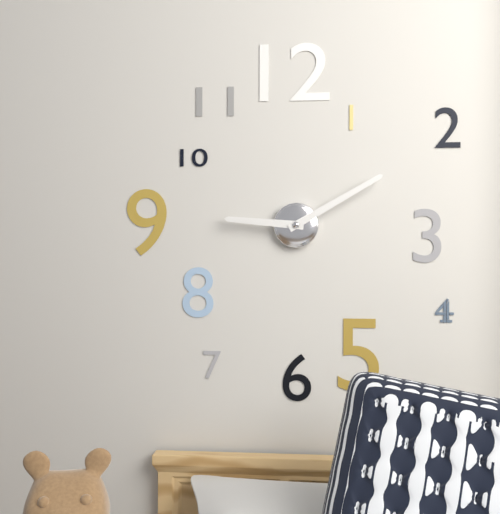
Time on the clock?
9:10
